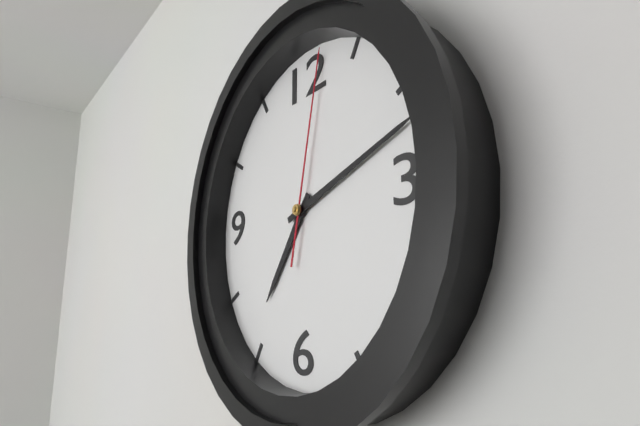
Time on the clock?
7:12:02
